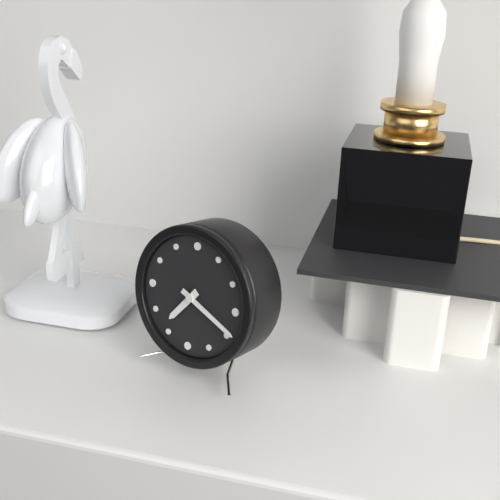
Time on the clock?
7:19
